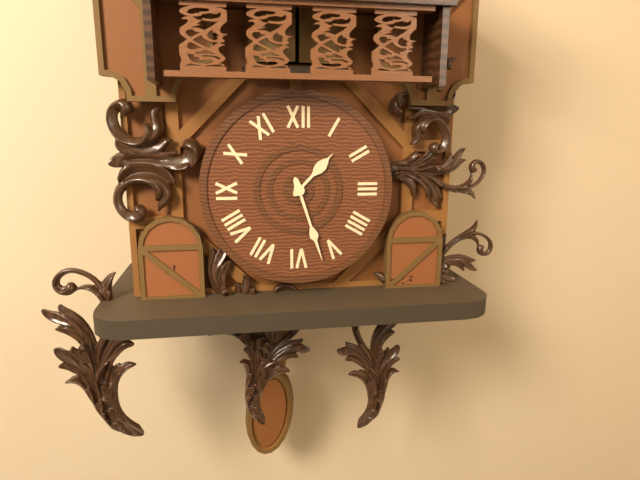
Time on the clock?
1:27
